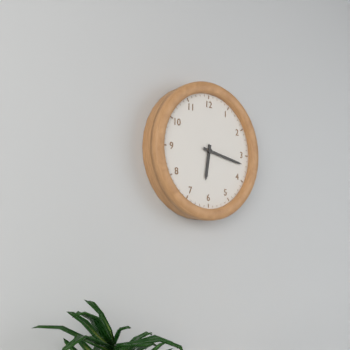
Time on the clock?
6:17
